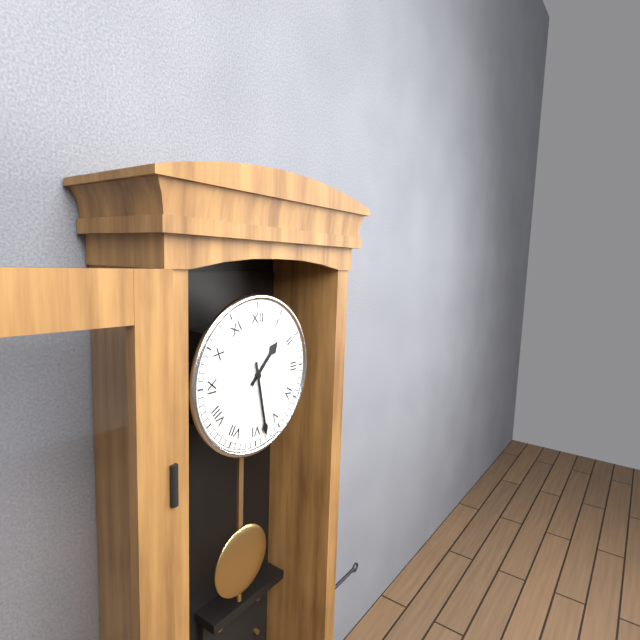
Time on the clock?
1:28
